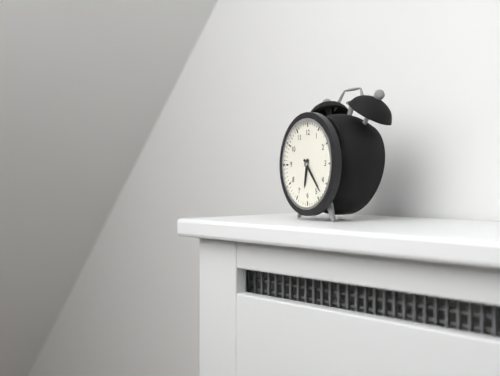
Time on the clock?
6:23
